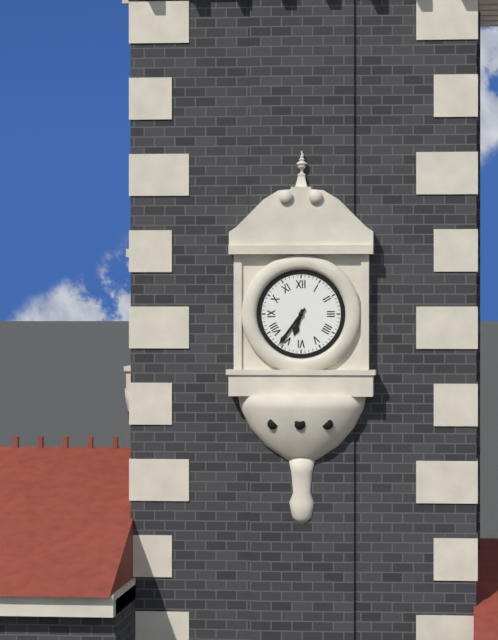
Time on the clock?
6:36
